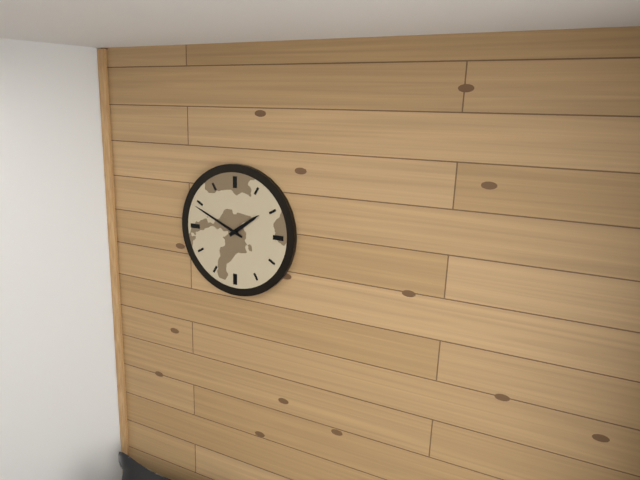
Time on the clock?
1:49
